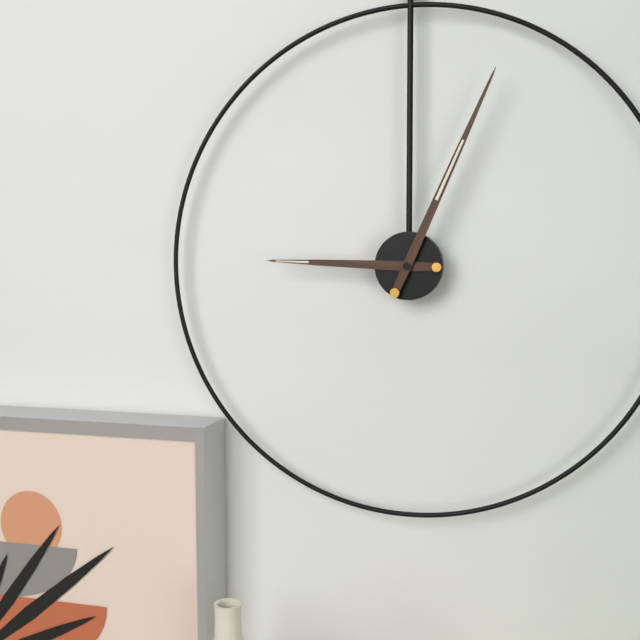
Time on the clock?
9:04
